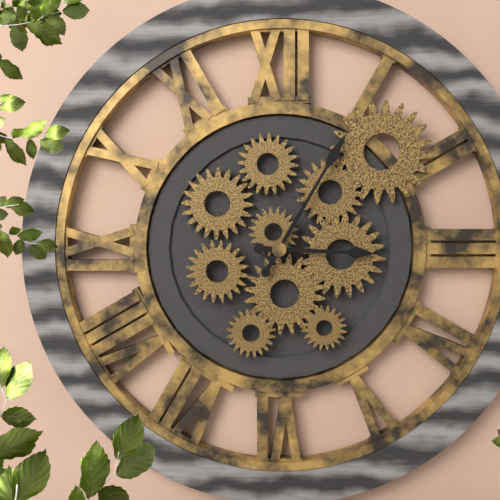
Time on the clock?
3:05
